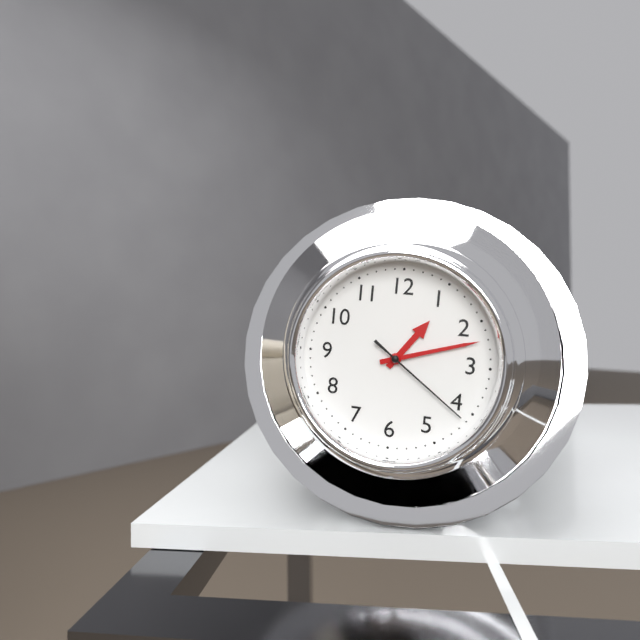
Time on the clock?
1:12:21
